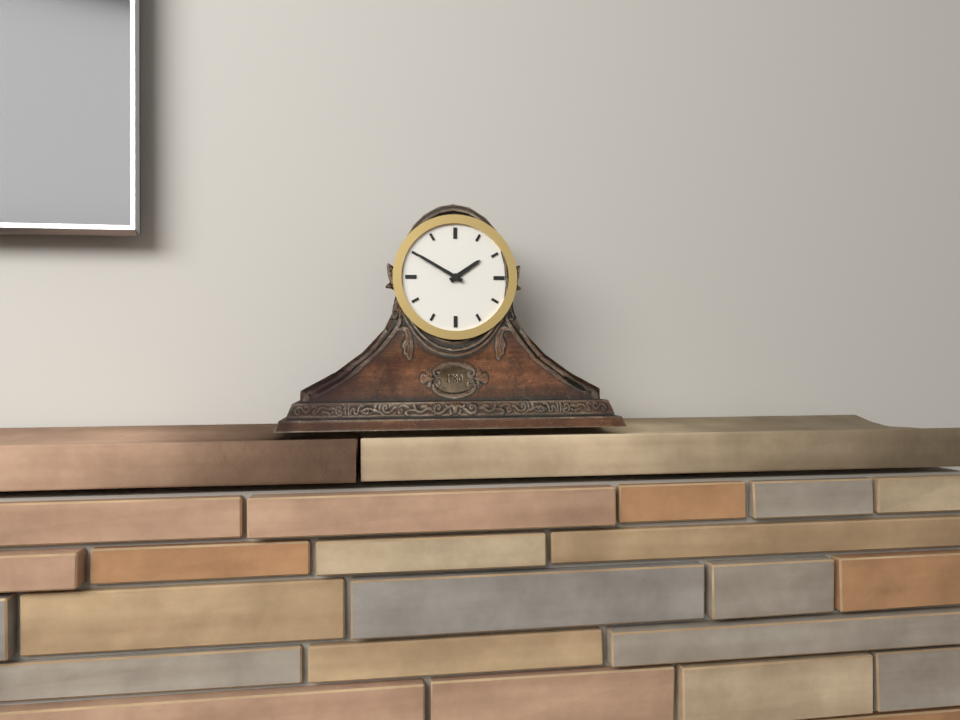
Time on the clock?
1:50
